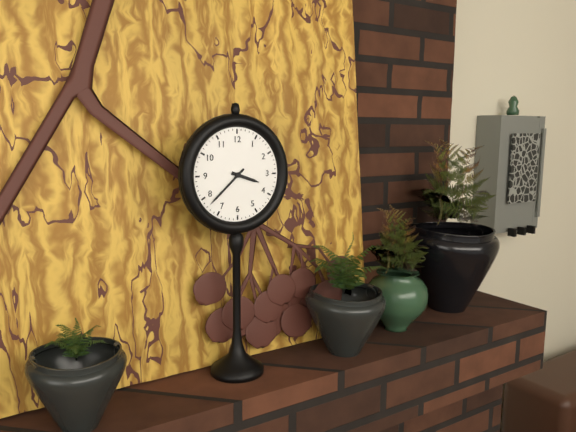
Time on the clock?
3:38
